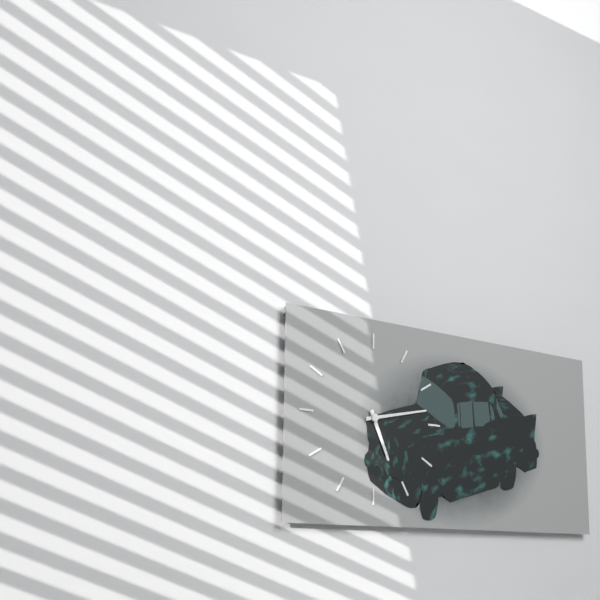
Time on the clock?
5:13
